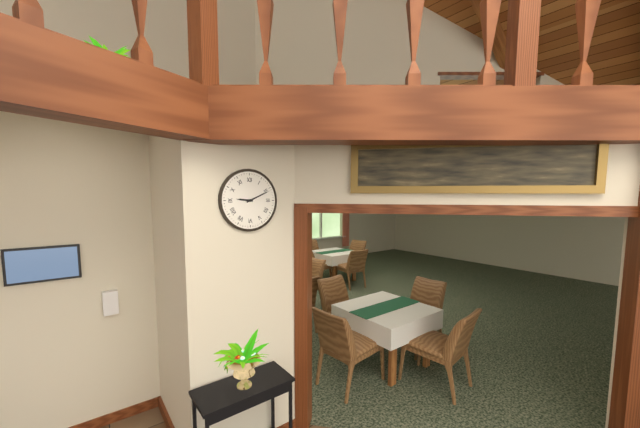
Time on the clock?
9:11
